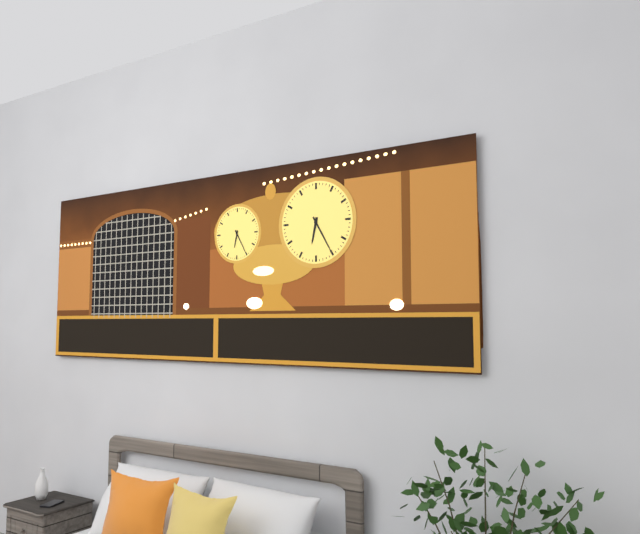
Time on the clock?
6:25
